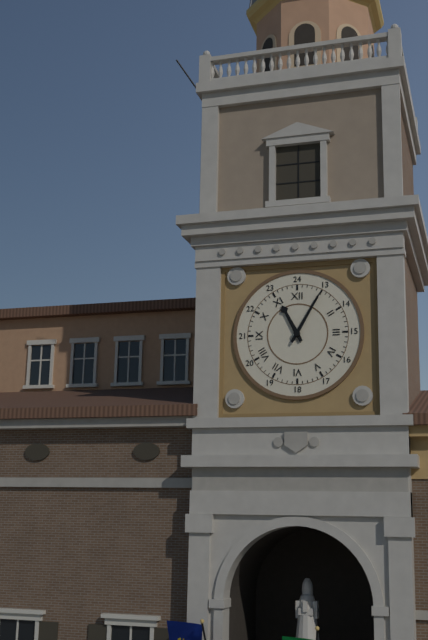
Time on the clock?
11:05
